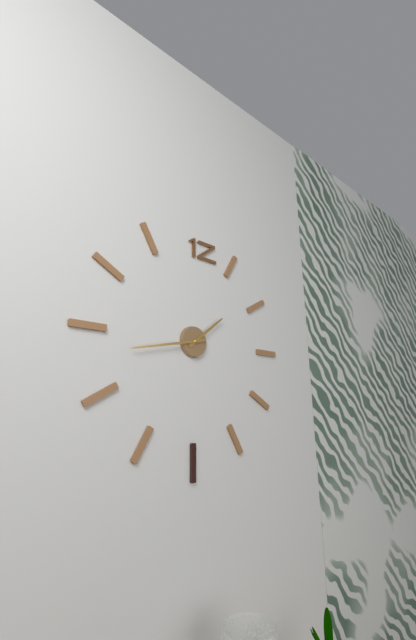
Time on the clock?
1:43
